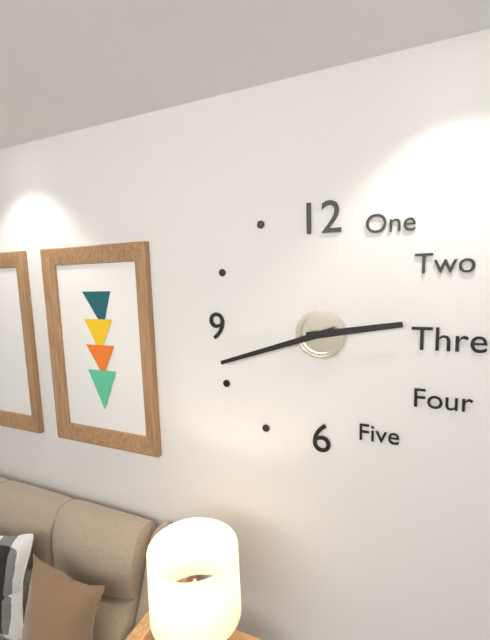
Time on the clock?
2:42
